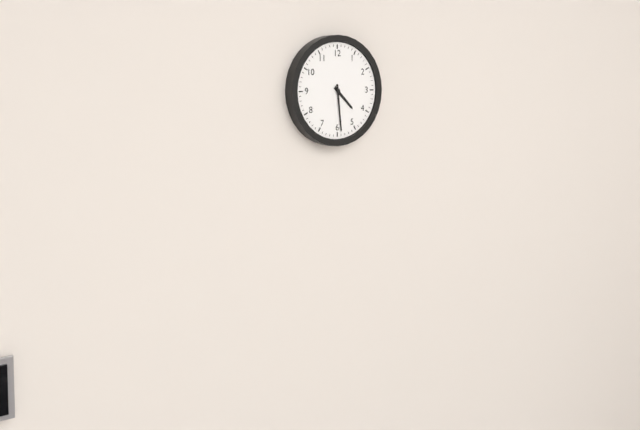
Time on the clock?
4:29
